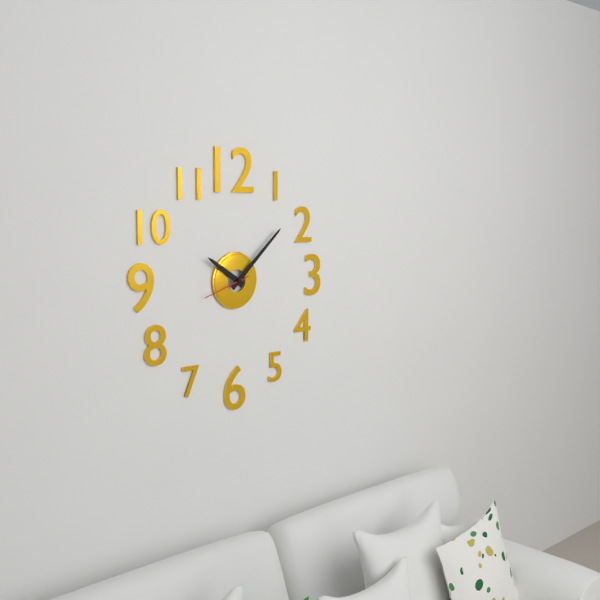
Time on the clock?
10:08
